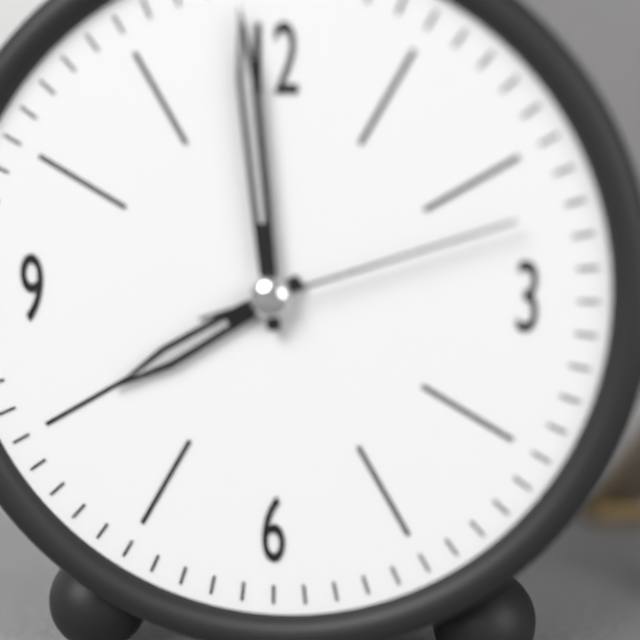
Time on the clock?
7:59:12
